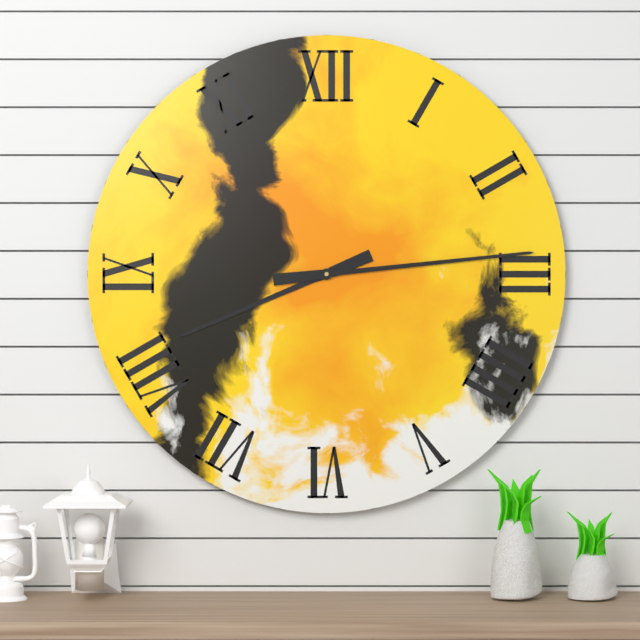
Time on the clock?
8:14
